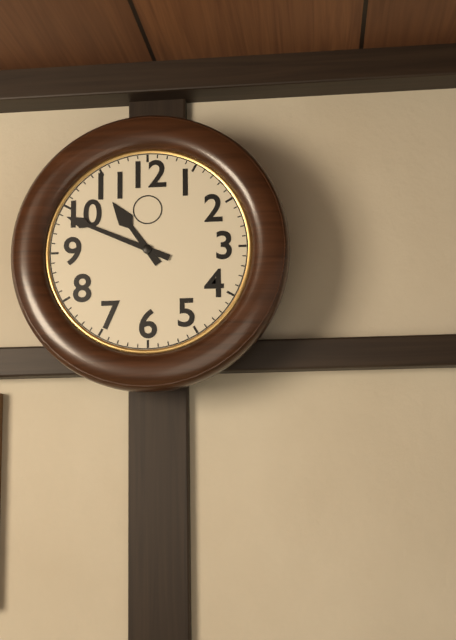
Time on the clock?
10:49
